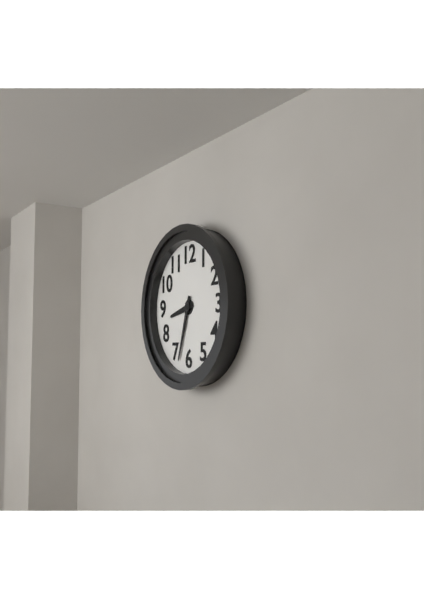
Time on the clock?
8:33
